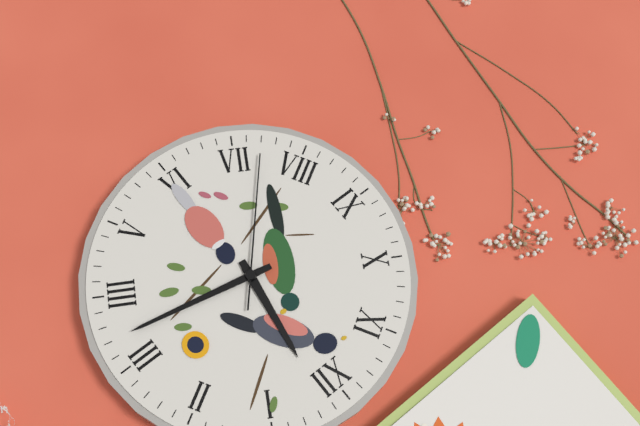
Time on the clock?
12:17:37
